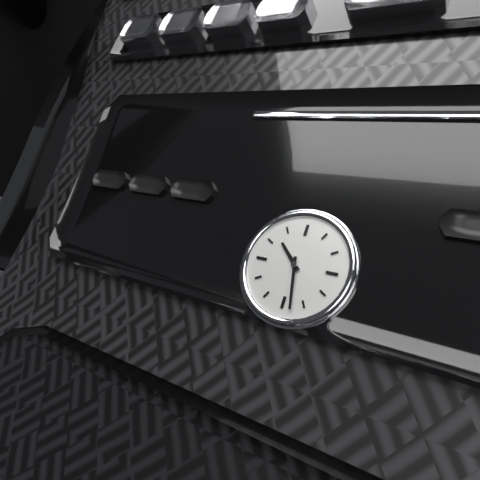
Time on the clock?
10:28
